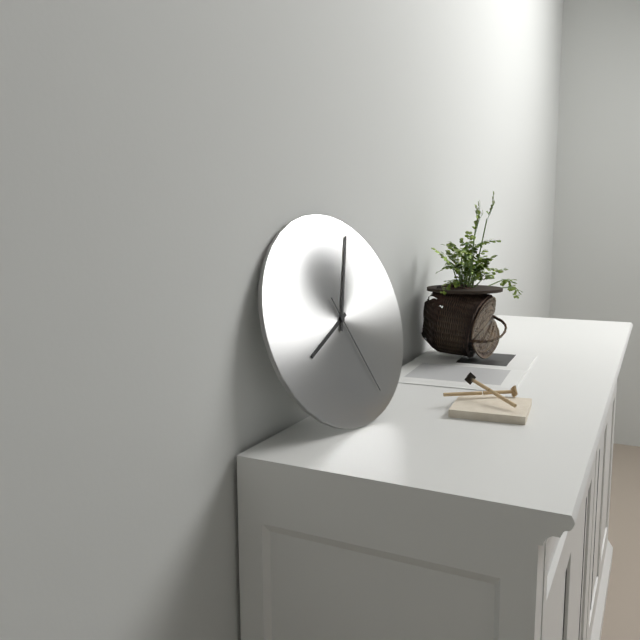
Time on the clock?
8:04:26
